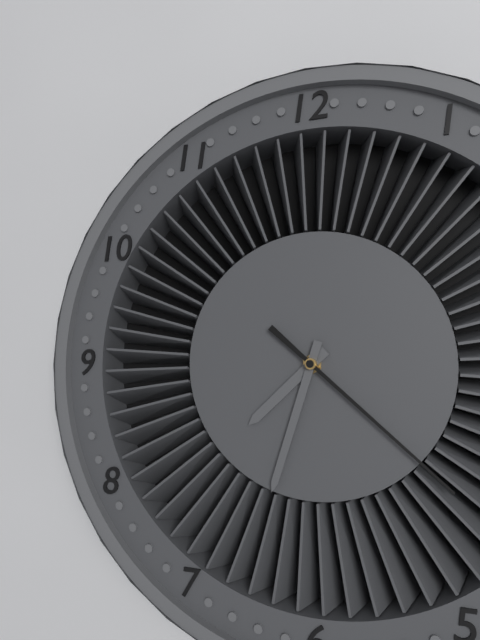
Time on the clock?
7:33:22
